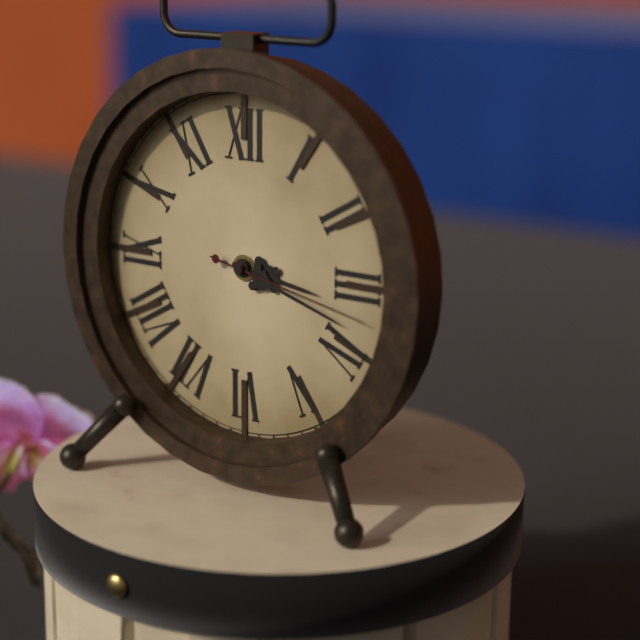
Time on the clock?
3:18:17
